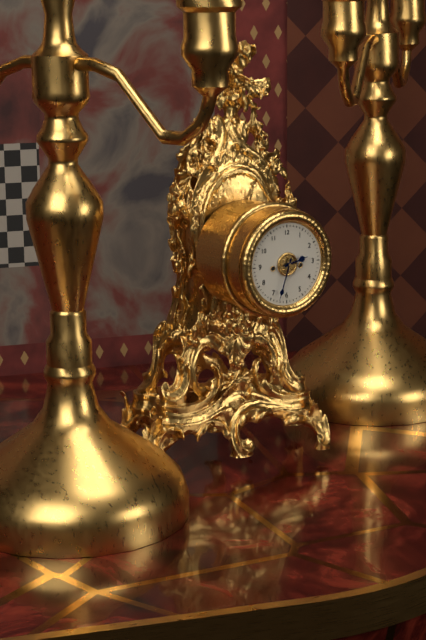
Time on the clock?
2:33
